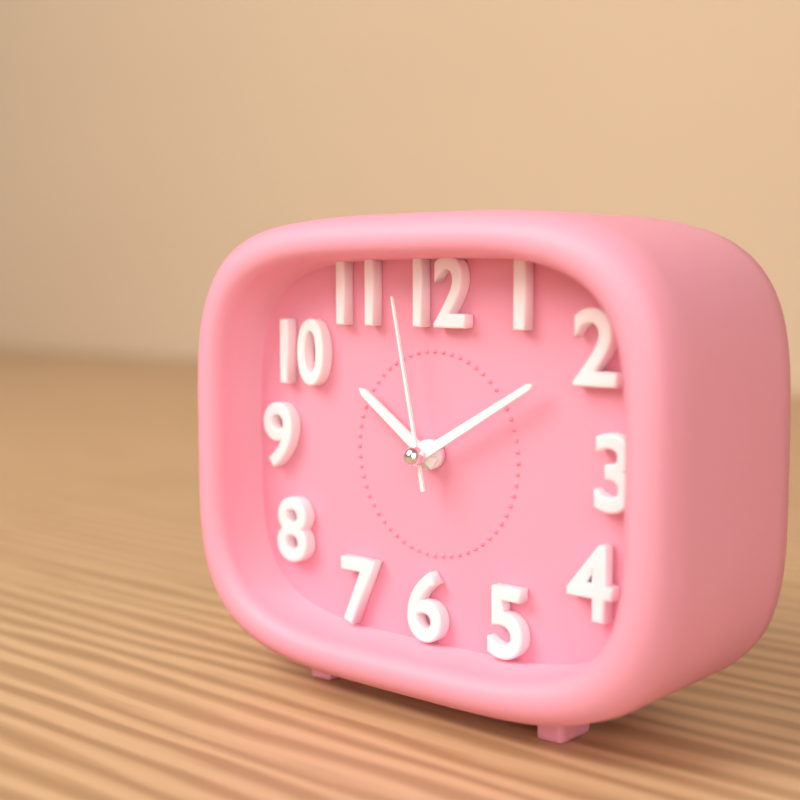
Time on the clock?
10:10:58
